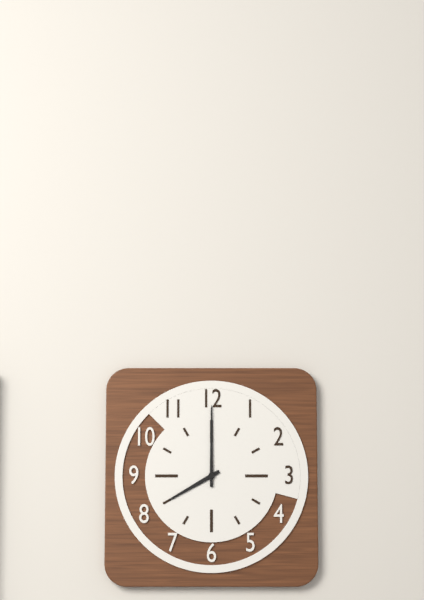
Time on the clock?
8:00
